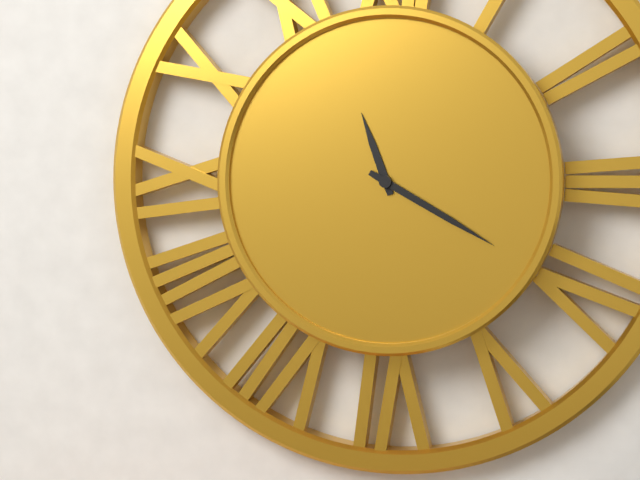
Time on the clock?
11:20
